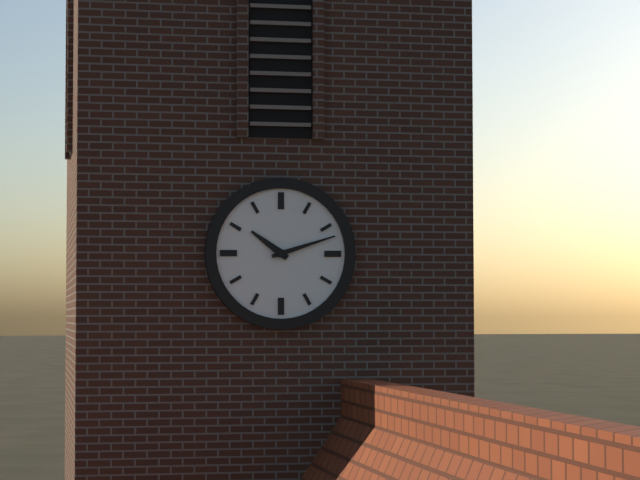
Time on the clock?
10:12
